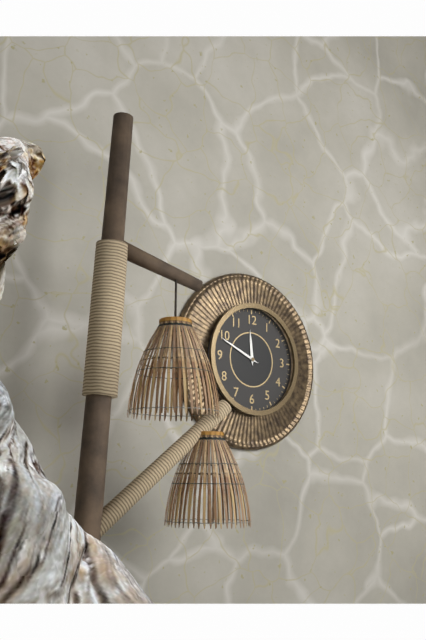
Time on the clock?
11:49
